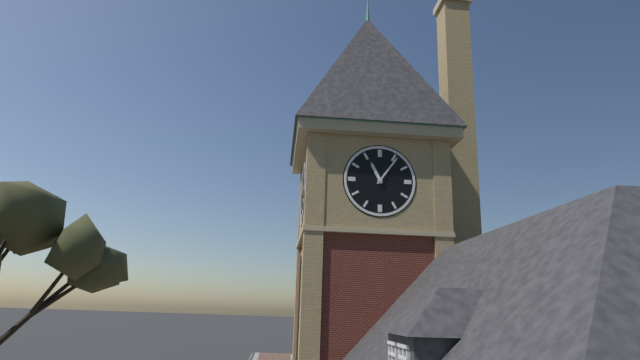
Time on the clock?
11:06
